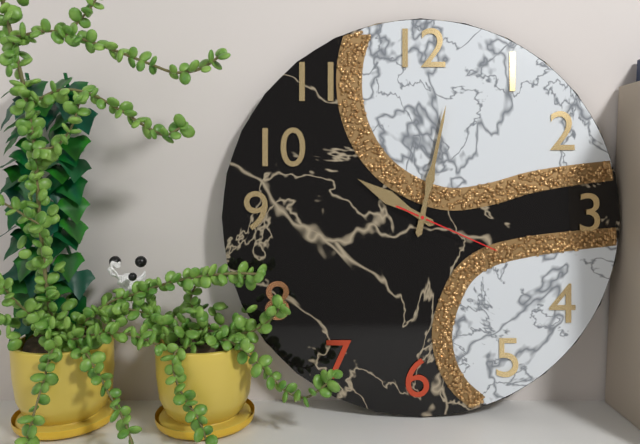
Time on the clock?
10:02:19
